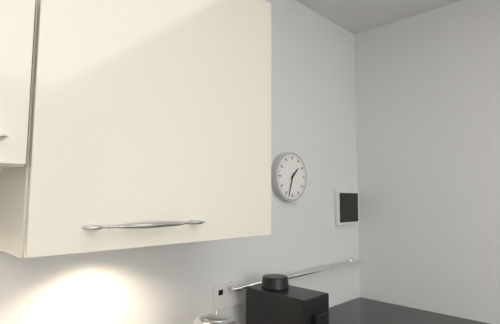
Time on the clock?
1:33
